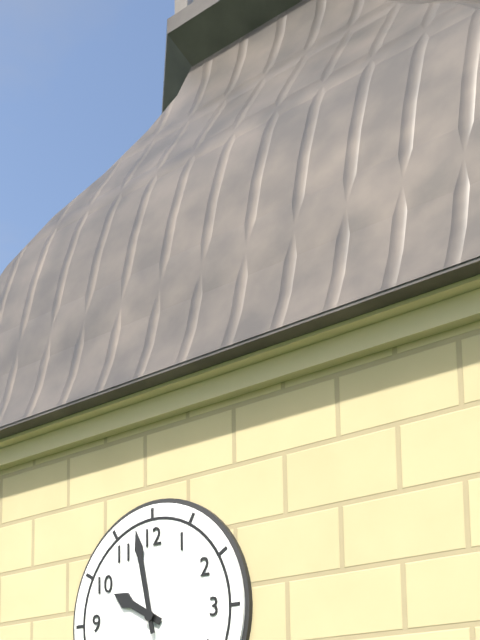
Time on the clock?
9:58
